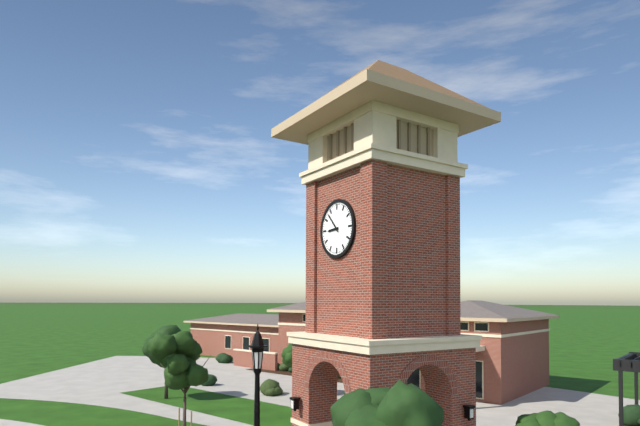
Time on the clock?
8:53
